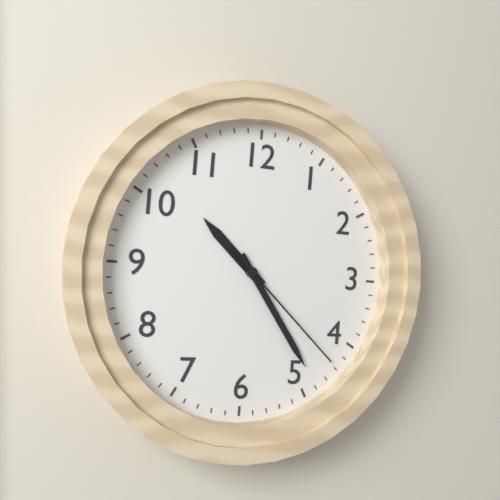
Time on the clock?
10:24:22
